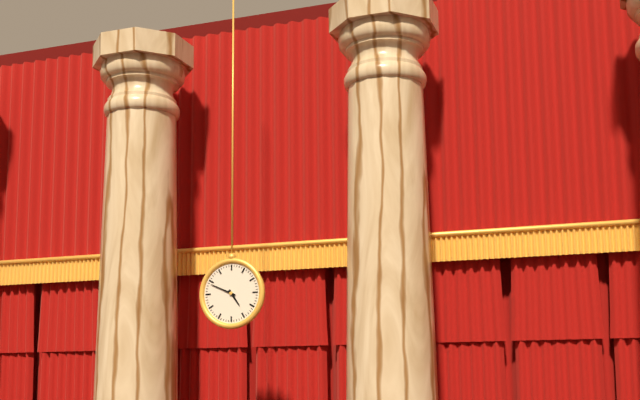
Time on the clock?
4:49
